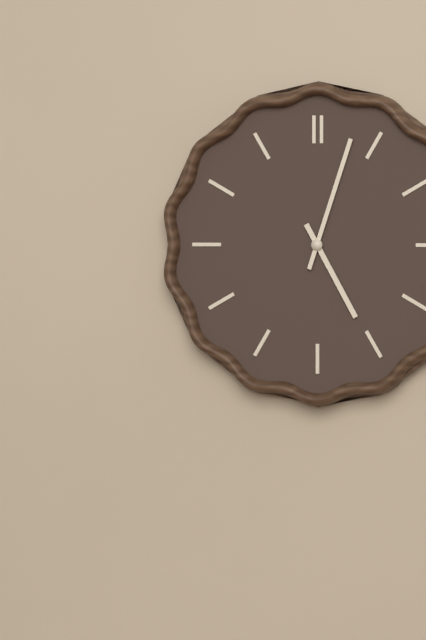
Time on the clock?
5:03
